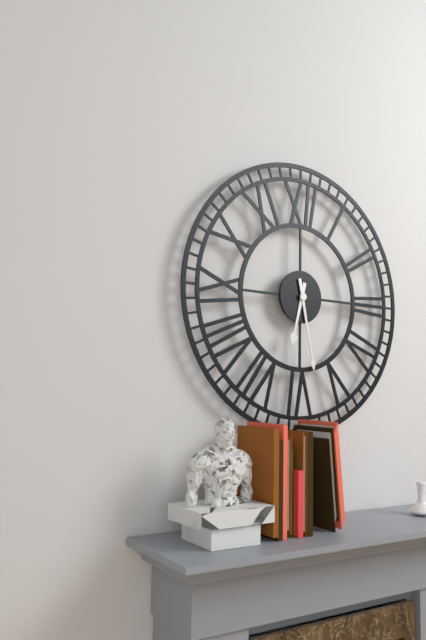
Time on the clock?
6:28
